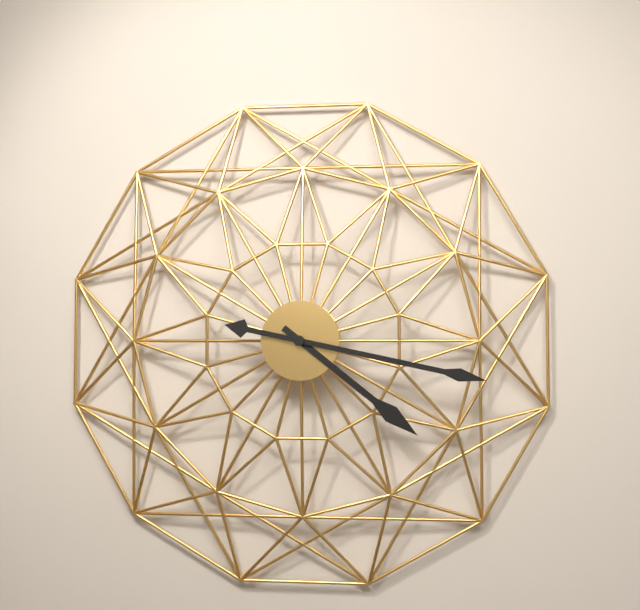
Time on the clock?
4:17
